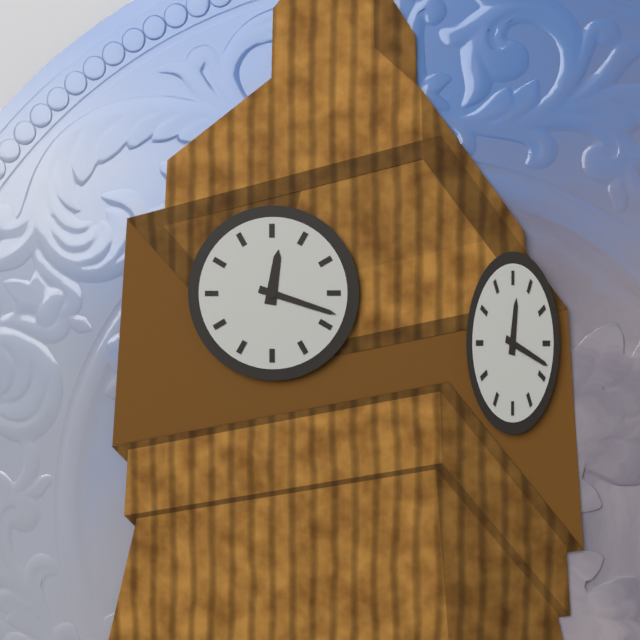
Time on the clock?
12:18
